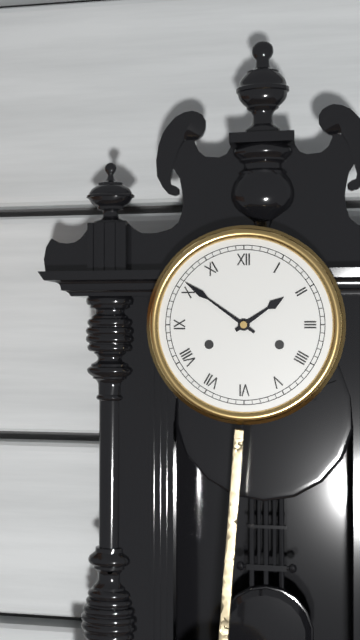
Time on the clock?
1:51
